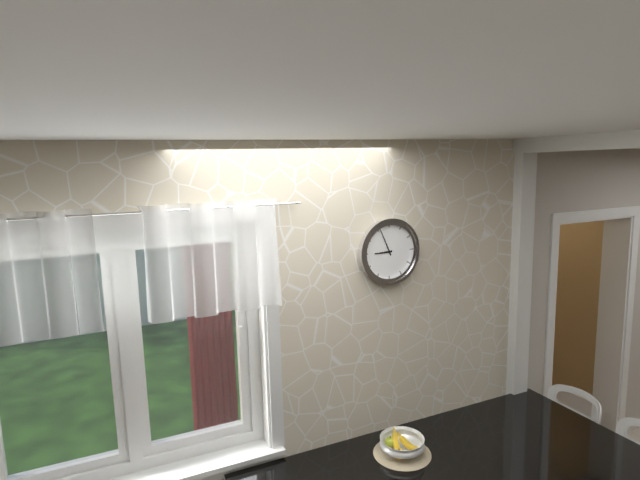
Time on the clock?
8:56
